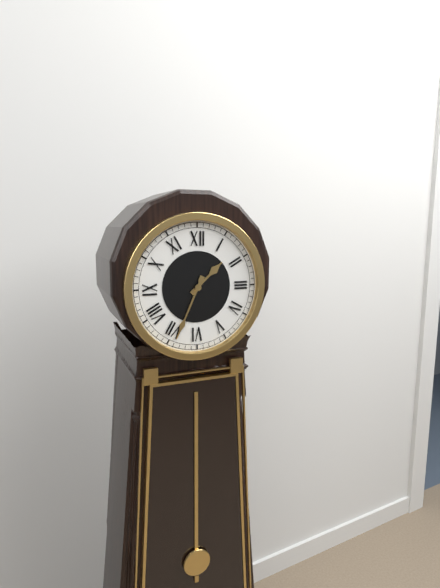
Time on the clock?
1:34
